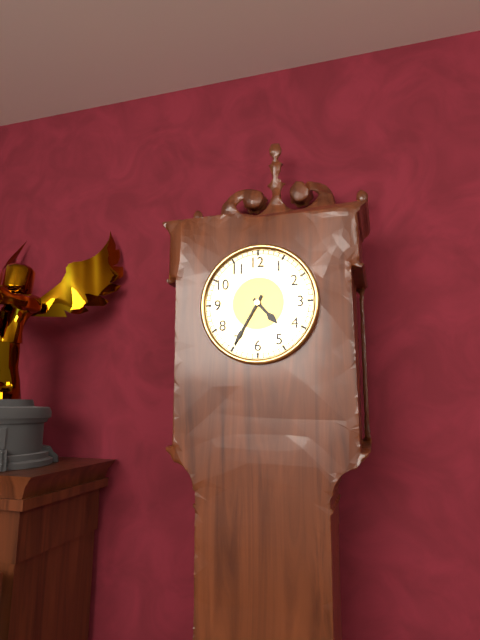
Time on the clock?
4:35
